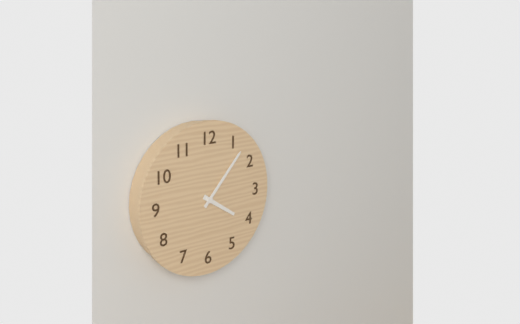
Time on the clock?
4:07
